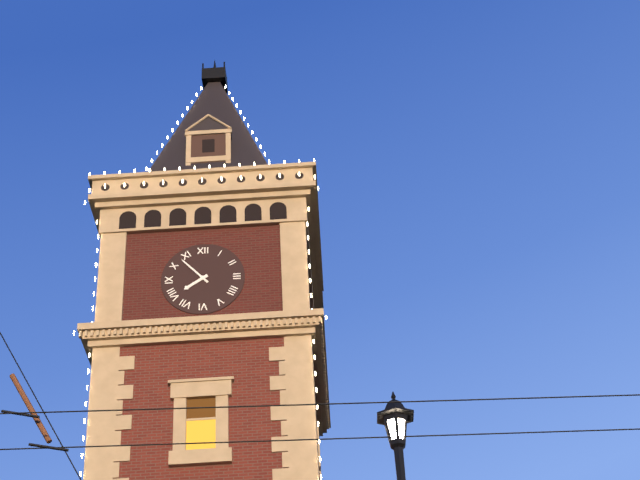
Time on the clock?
7:53
